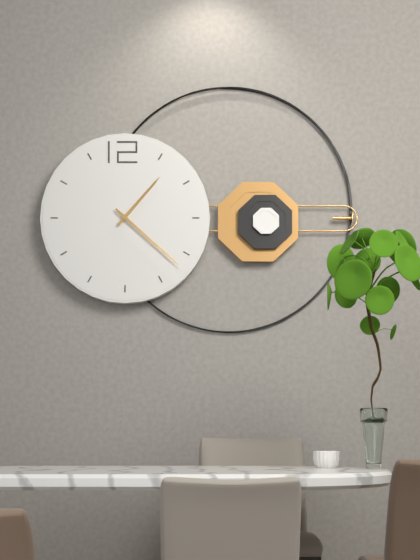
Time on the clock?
1:22
